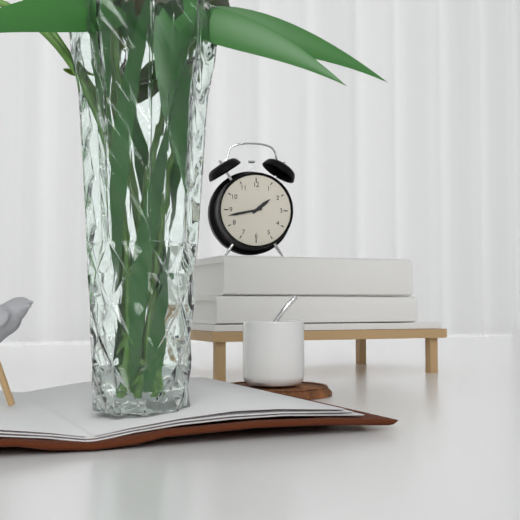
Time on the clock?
1:43
